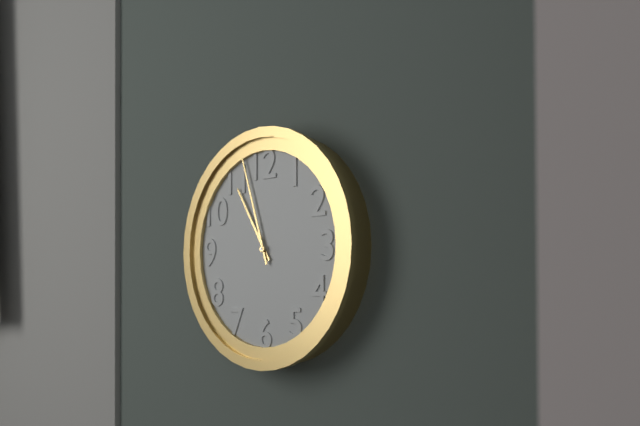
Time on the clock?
10:57
